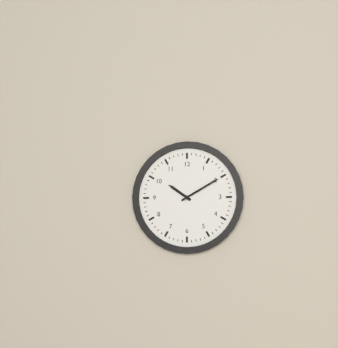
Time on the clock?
10:10
